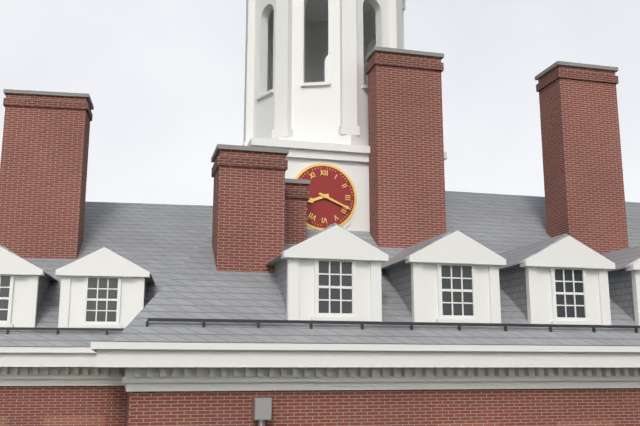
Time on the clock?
8:19
